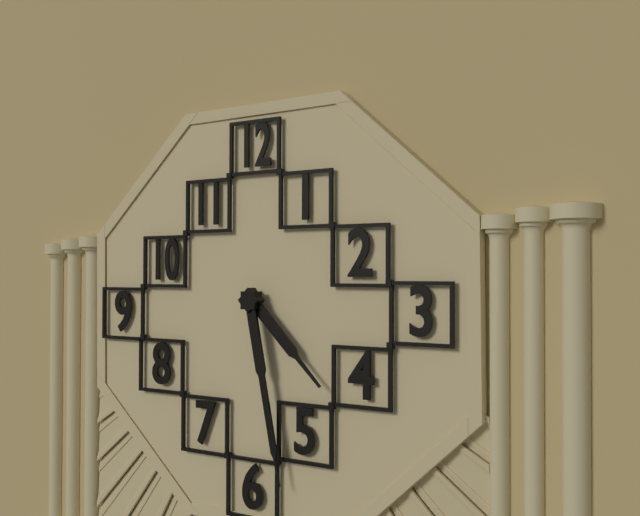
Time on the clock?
4:28
